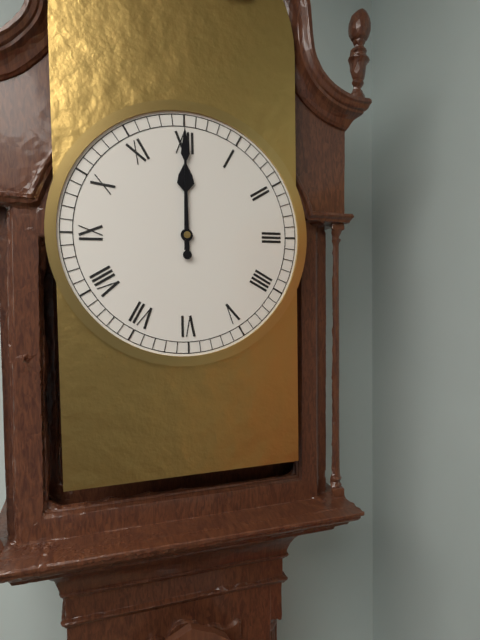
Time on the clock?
12:00
